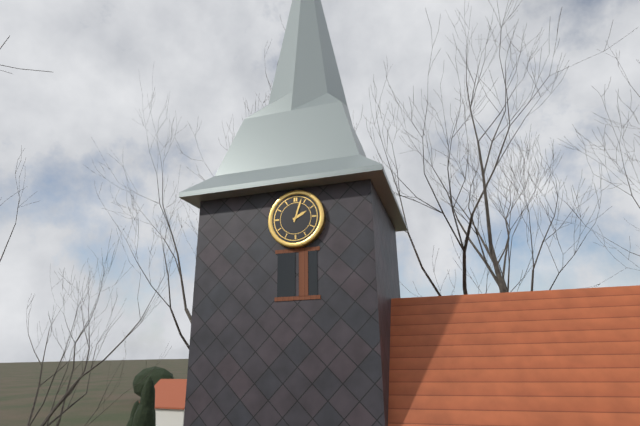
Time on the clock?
2:03
